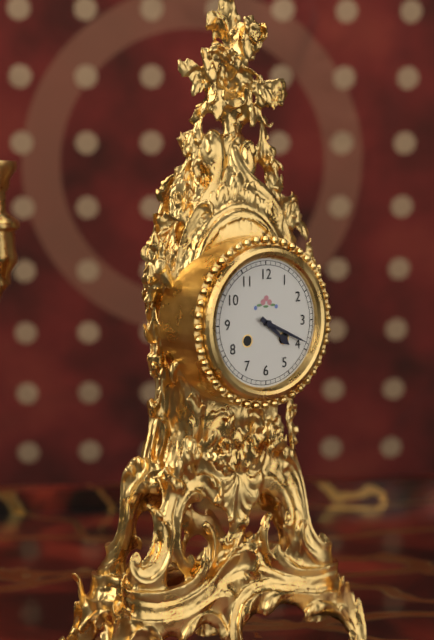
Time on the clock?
4:19
